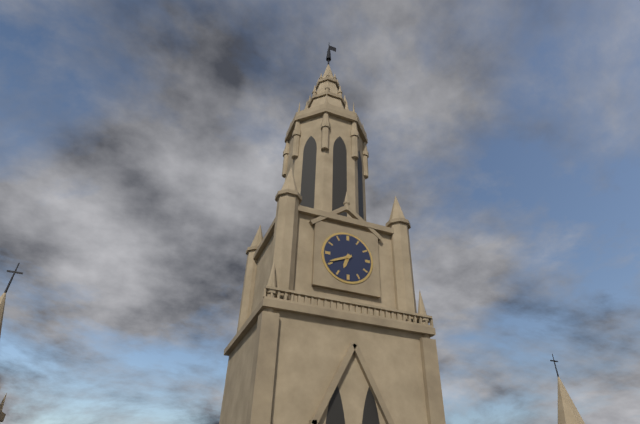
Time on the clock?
6:41
